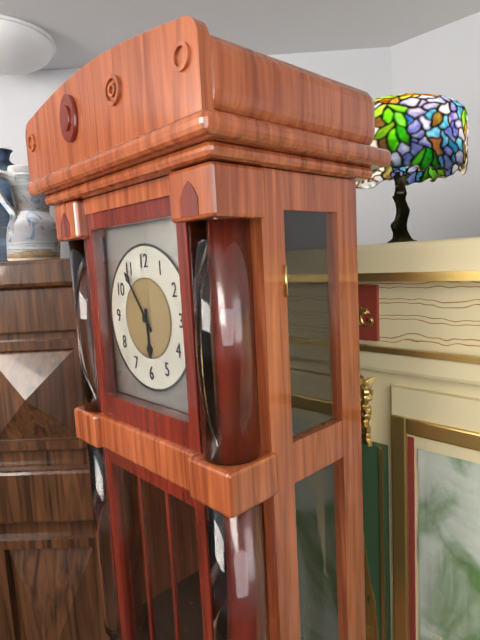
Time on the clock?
5:54
